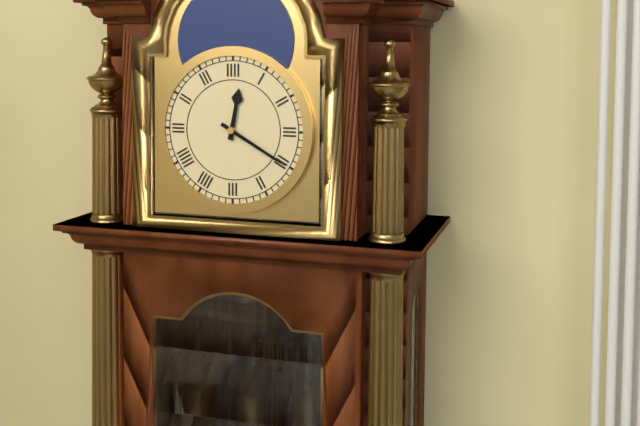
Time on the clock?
12:20
